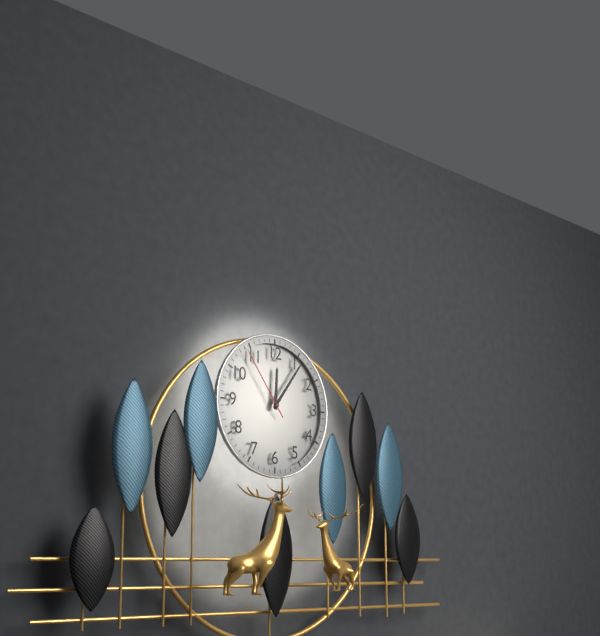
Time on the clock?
12:06:54
